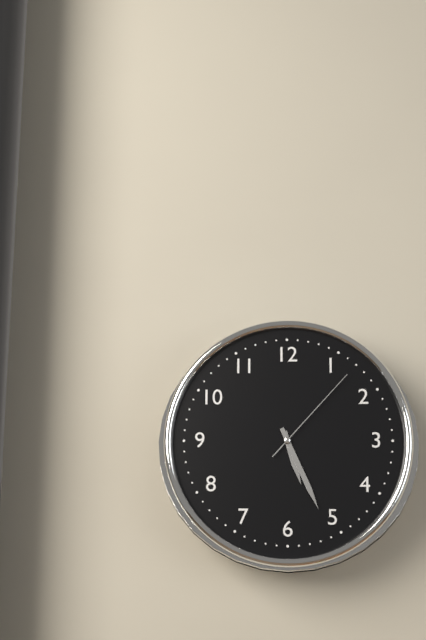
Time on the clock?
5:26:07
